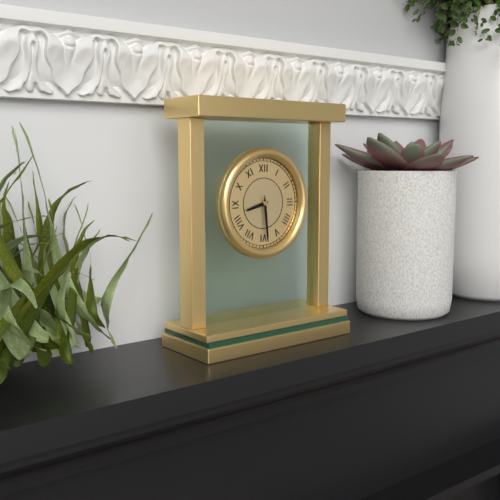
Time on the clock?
8:29
